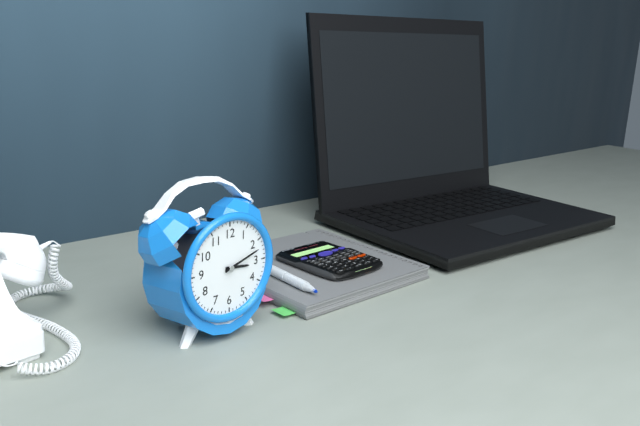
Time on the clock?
3:12
